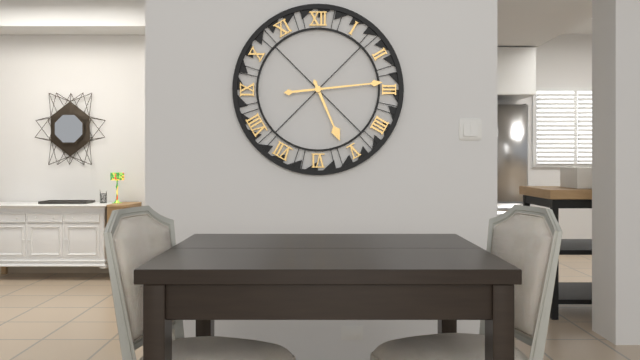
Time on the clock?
5:14
